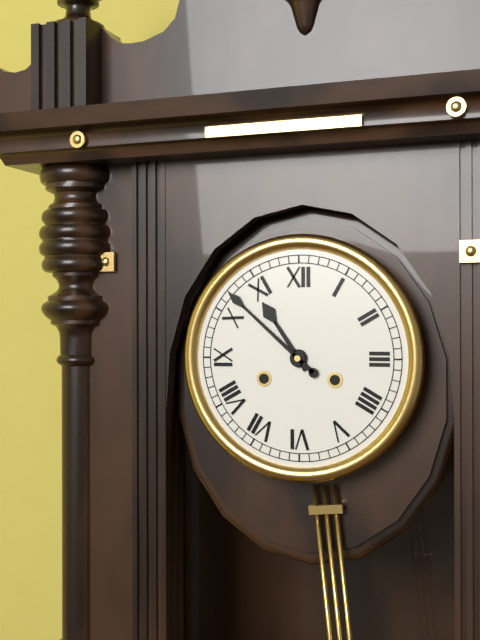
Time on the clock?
10:52
